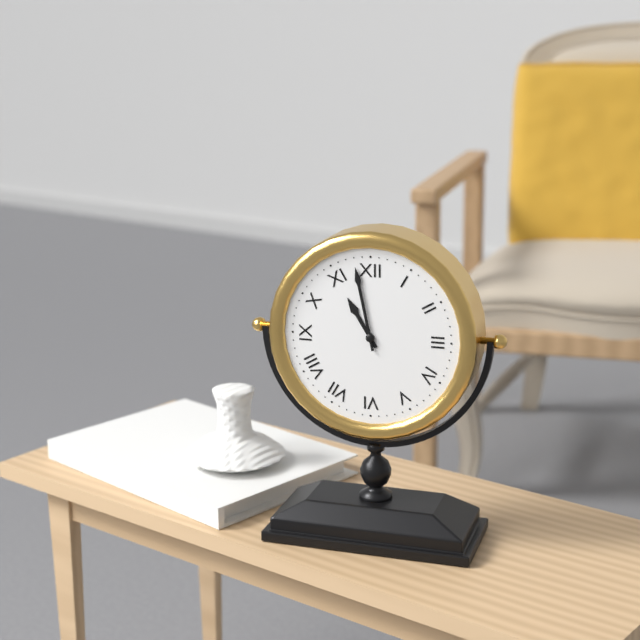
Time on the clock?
10:58
